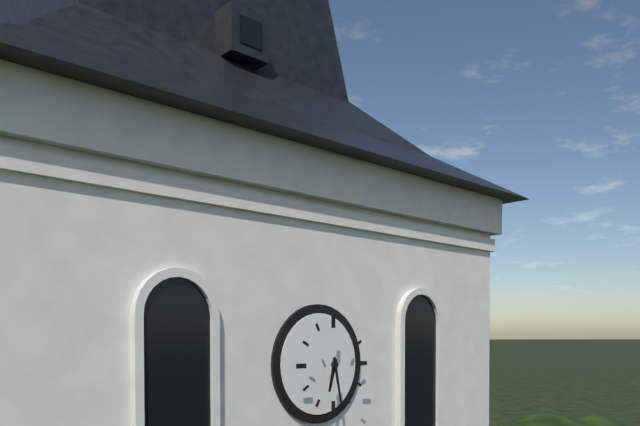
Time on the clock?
6:28
